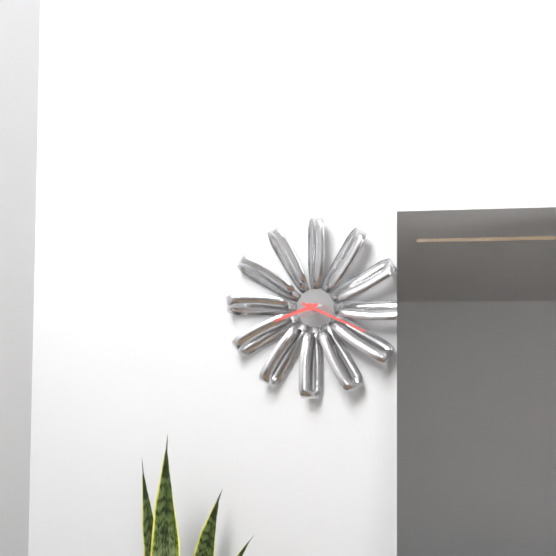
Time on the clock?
8:19
